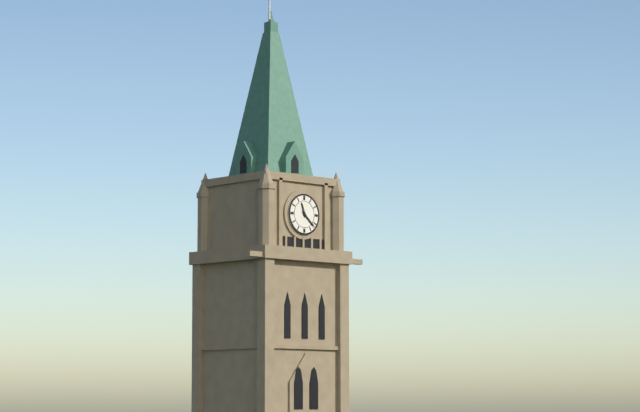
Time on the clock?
11:22
